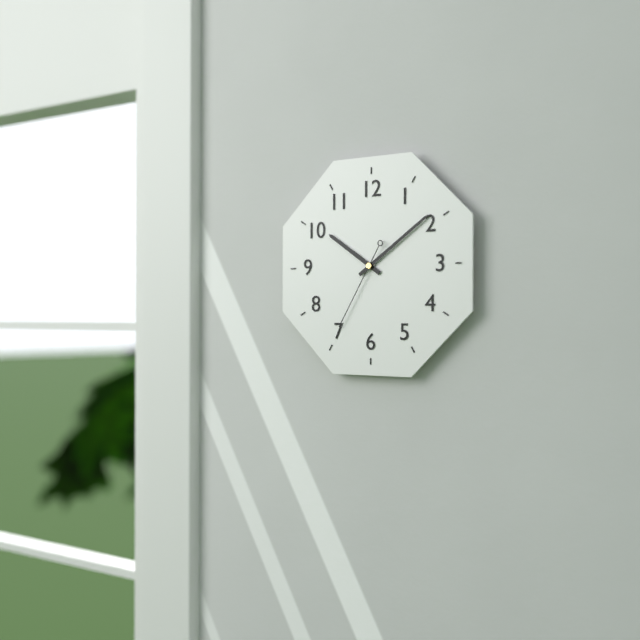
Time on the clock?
10:09:35
